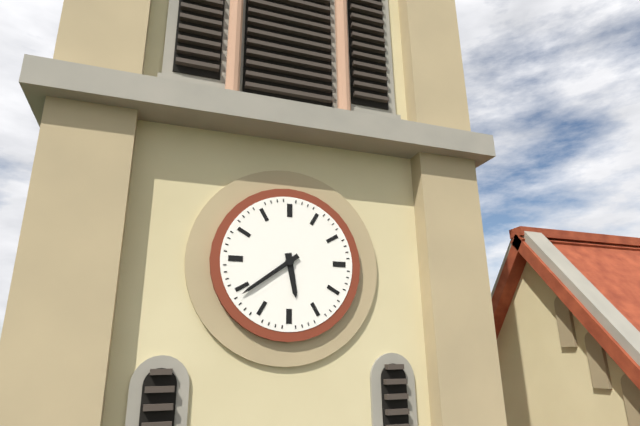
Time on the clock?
5:39
